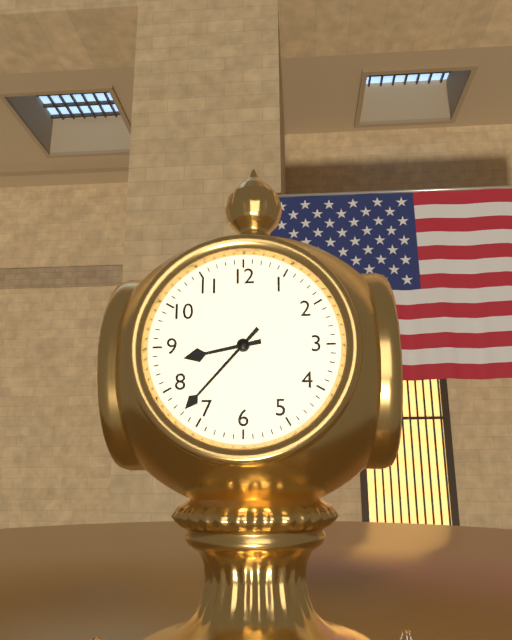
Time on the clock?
8:37
